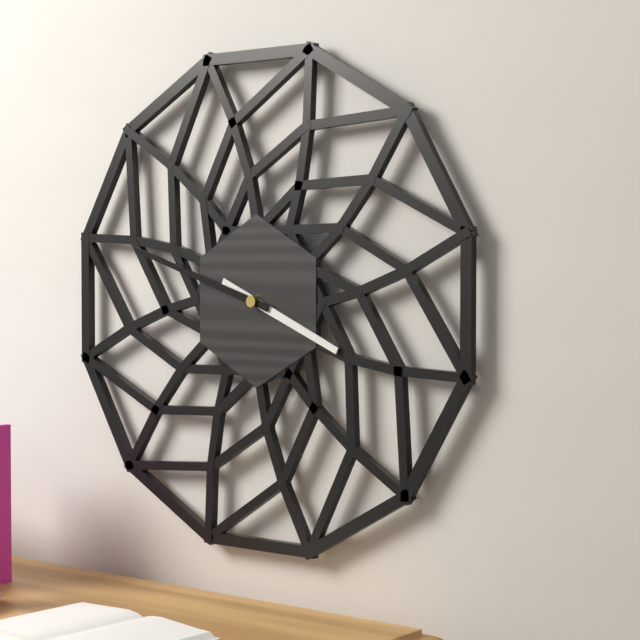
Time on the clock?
3:48
